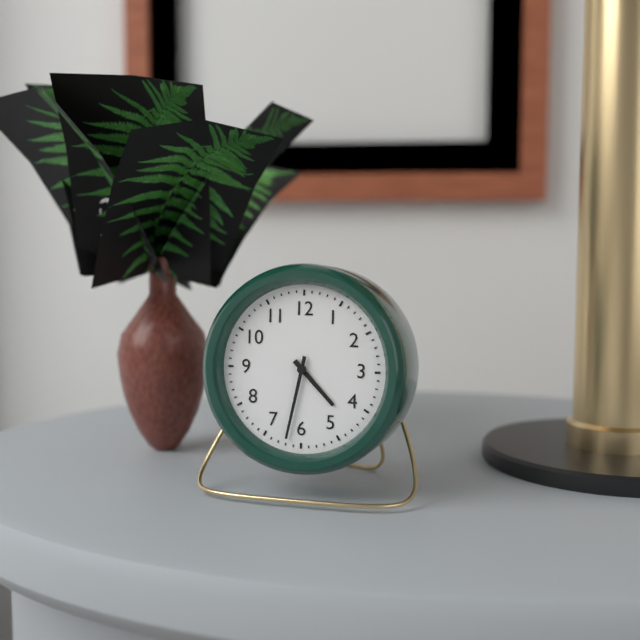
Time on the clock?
4:32
